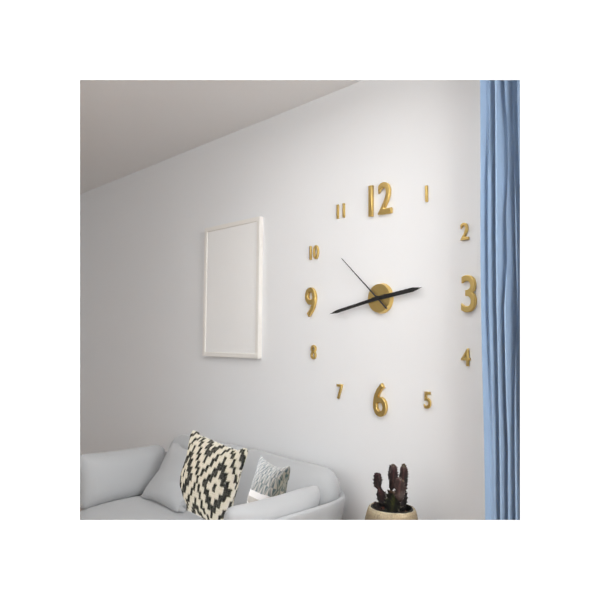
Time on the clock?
2:43:52
